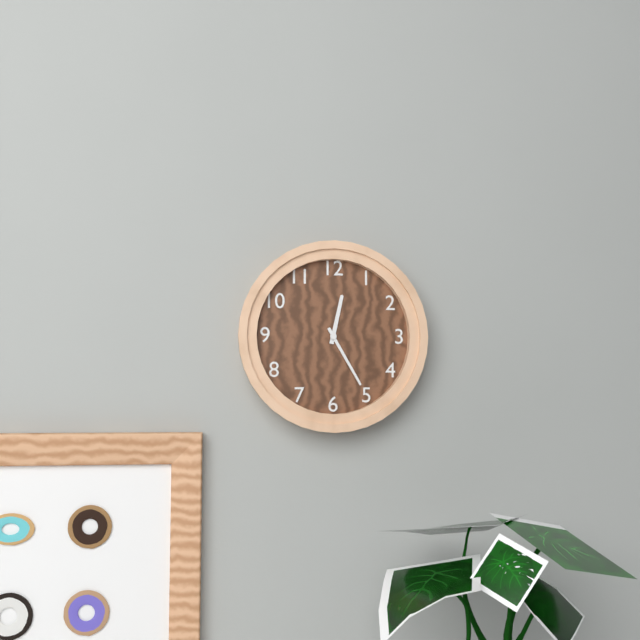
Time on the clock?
12:25
